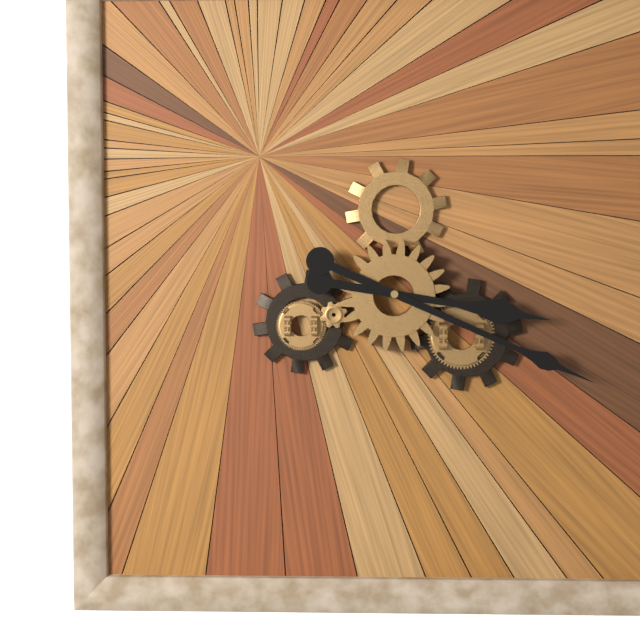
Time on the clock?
3:19
